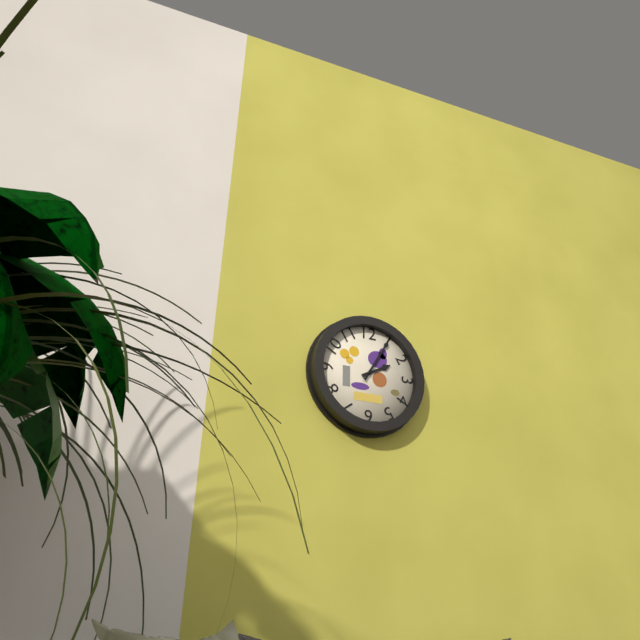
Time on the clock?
2:05
